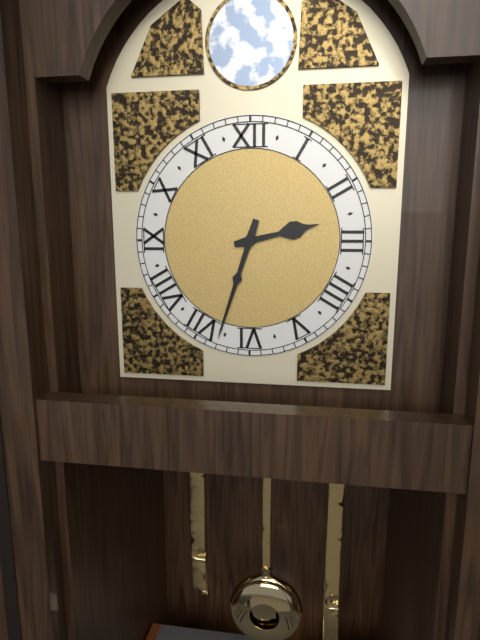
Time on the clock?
2:33
